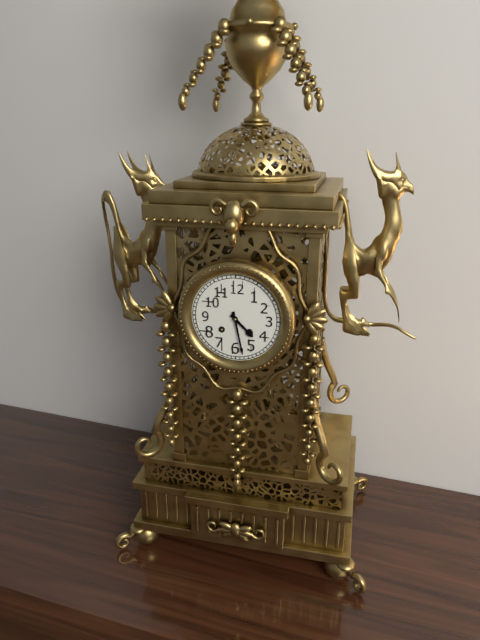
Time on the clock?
4:28
